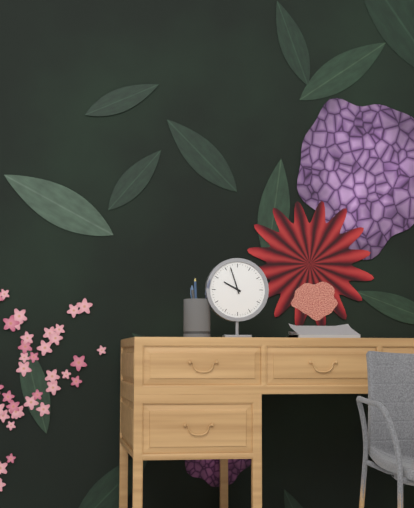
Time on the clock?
9:57
